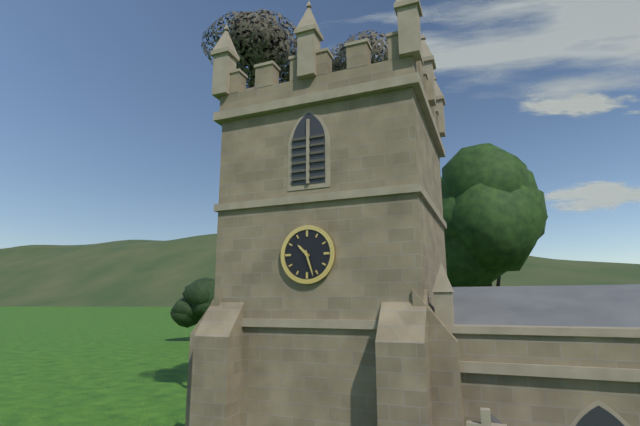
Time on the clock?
10:27
